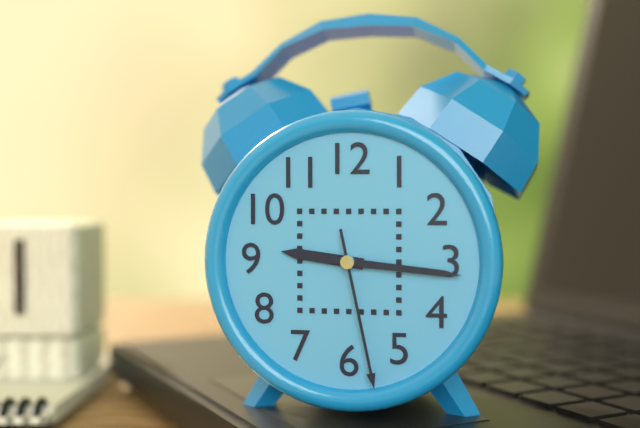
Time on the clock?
9:16:28
